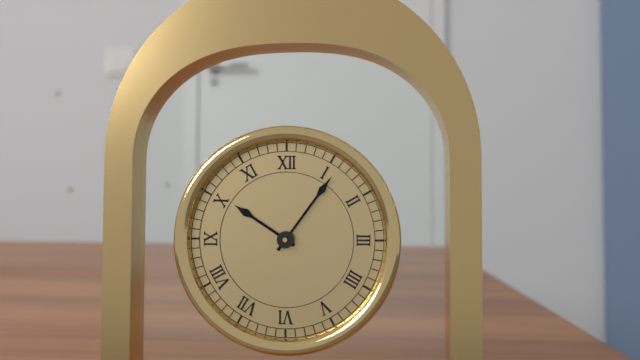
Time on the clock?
10:06
